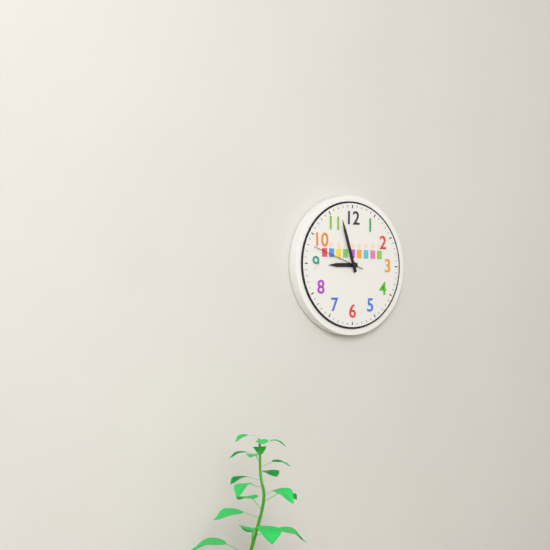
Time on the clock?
8:57:48
